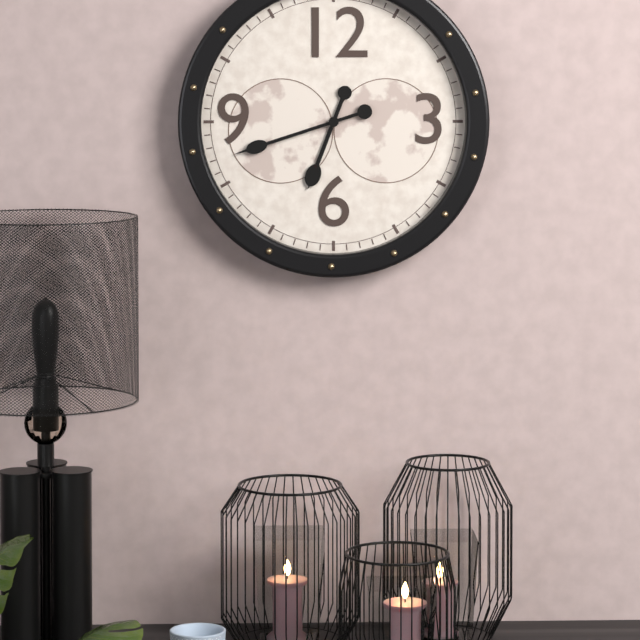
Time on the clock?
6:42
